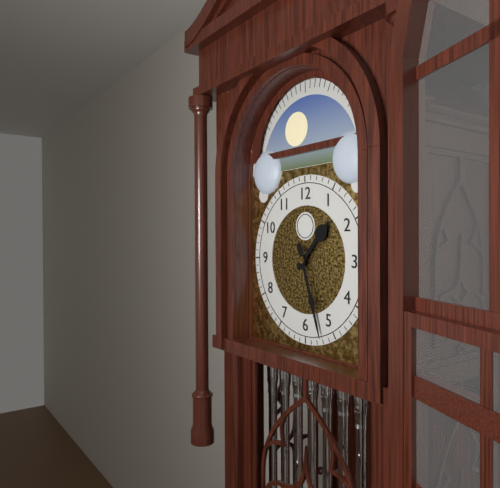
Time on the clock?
1:27
